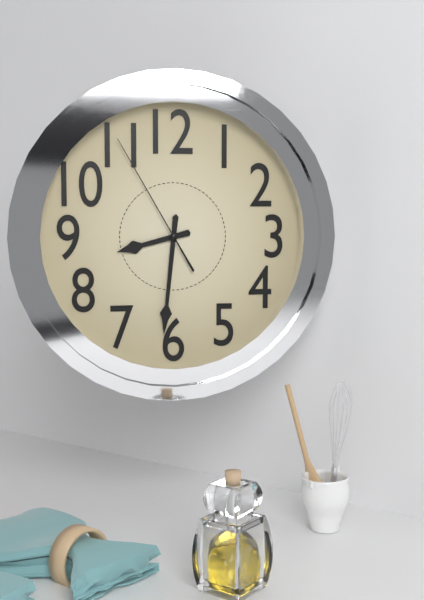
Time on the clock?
8:31:55
